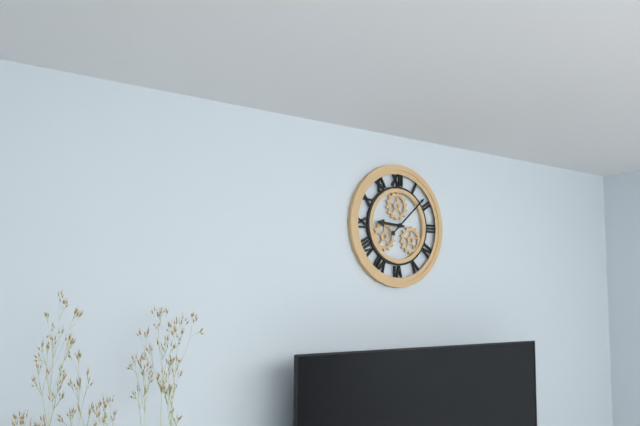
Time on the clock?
9:08
